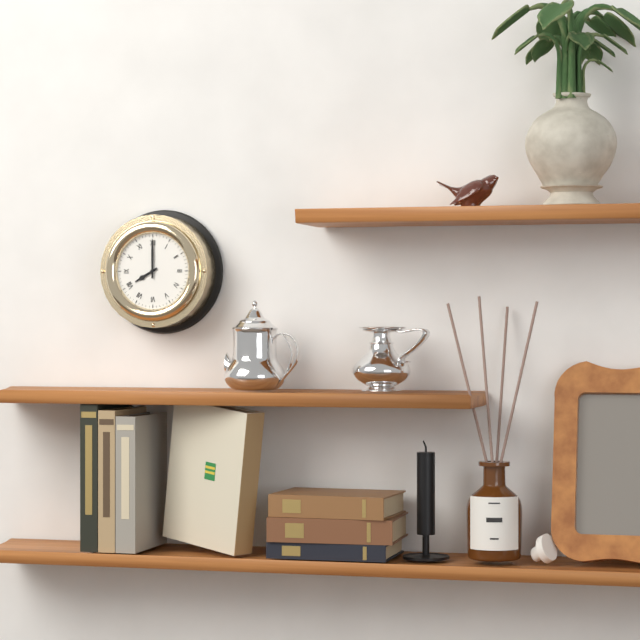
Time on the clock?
8:00
